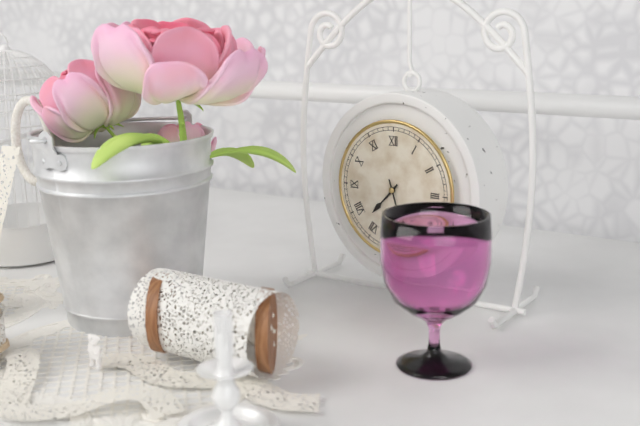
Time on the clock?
7:27
